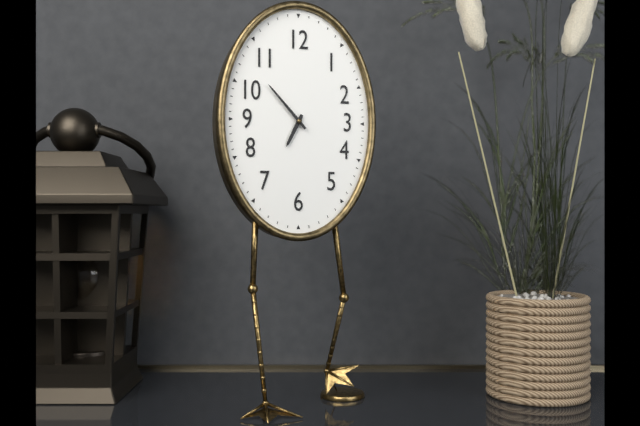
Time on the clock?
6:53
